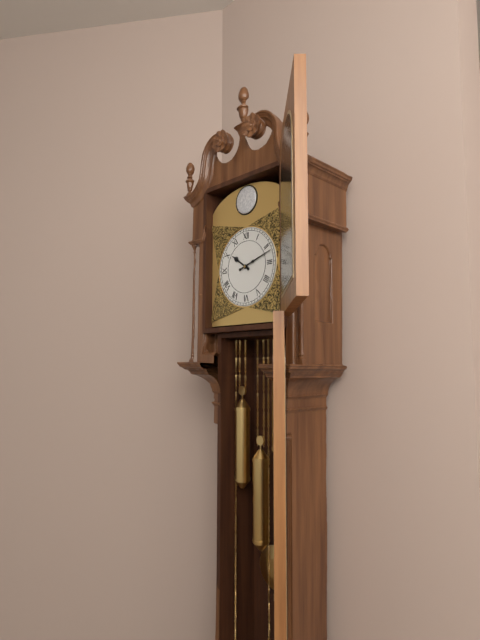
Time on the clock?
10:12
